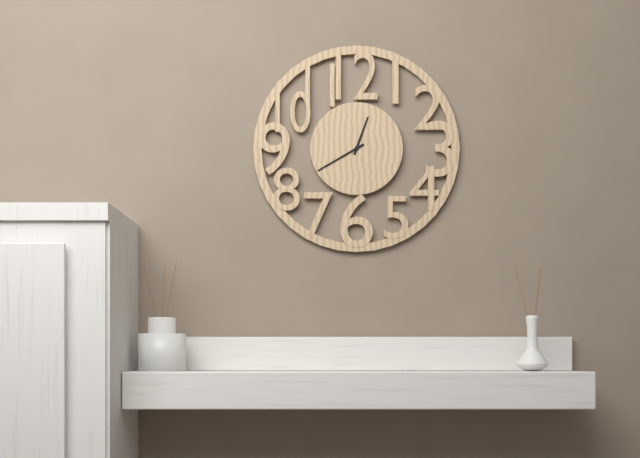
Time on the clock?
12:40
